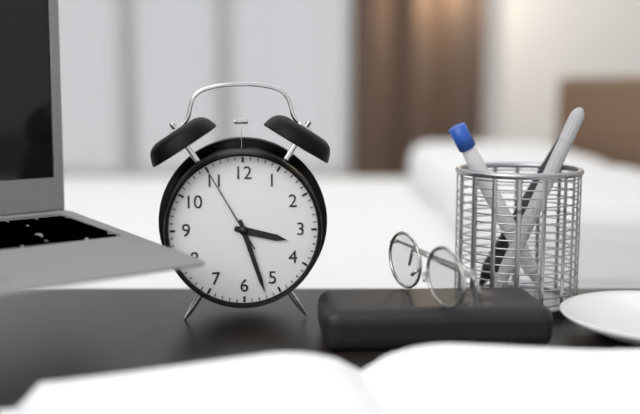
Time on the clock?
3:27:55
